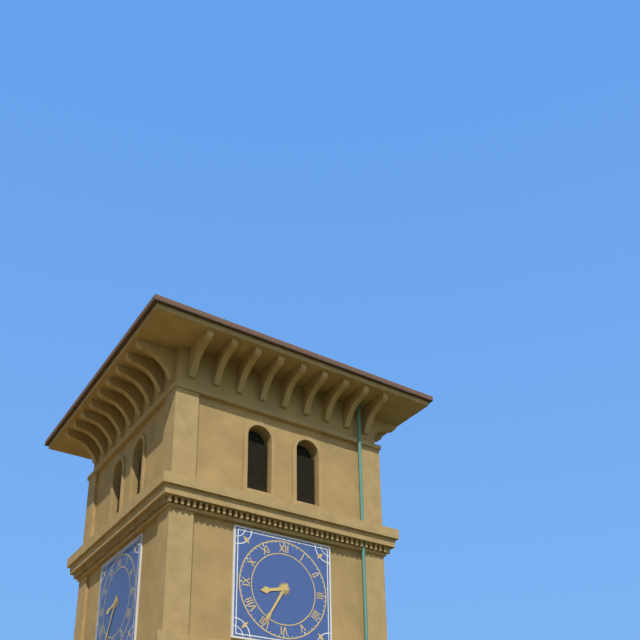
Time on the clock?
8:35
